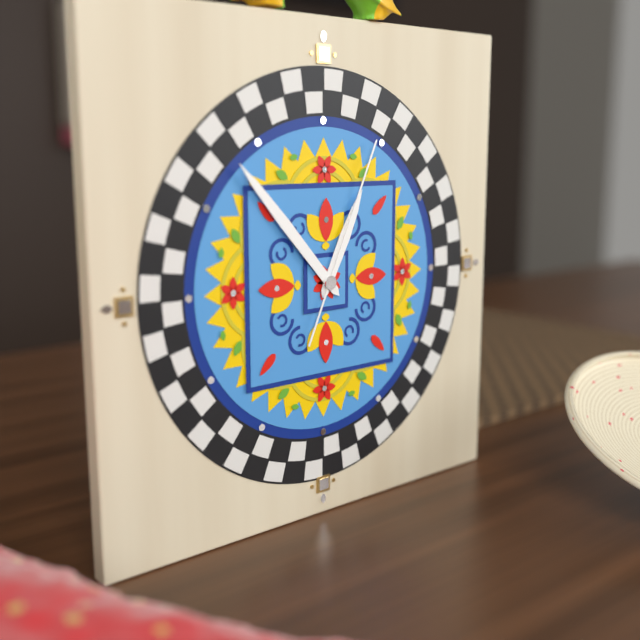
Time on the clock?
12:53:04
